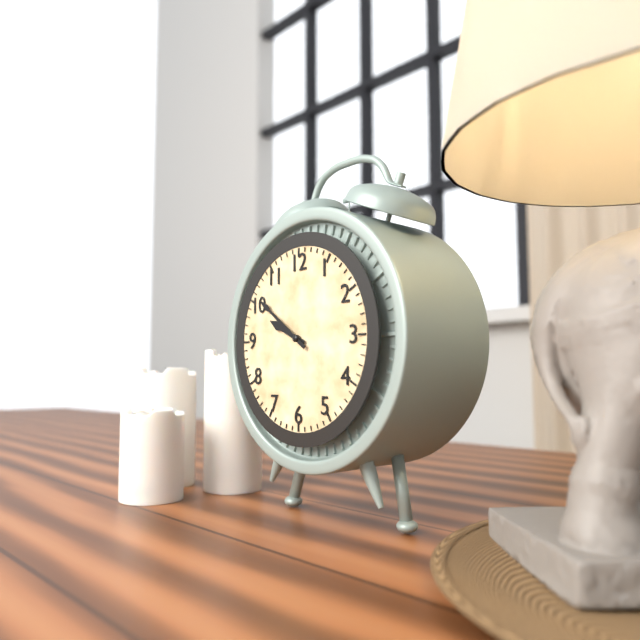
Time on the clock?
9:51
